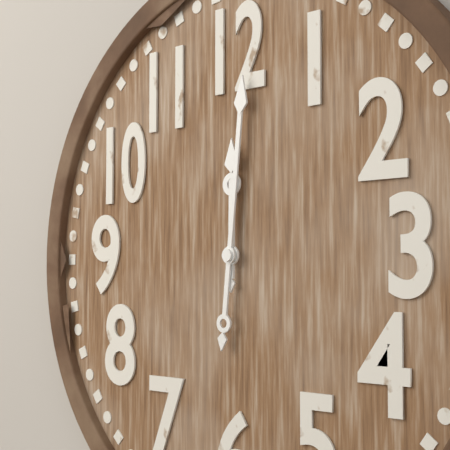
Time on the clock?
12:01
